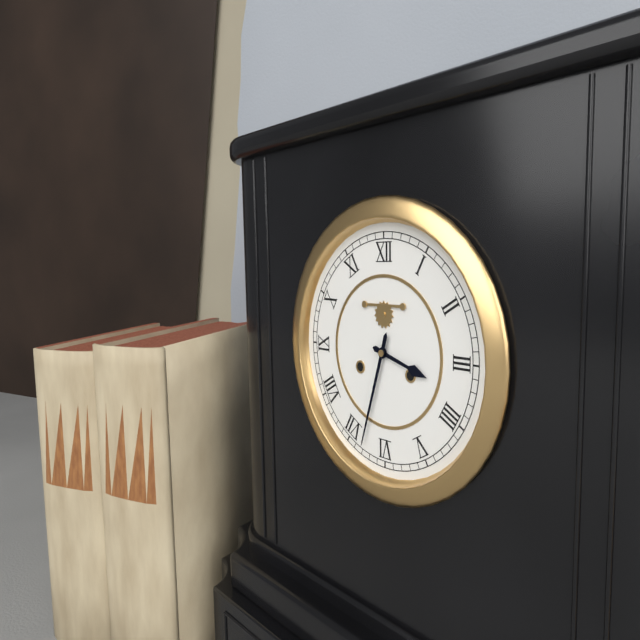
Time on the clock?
3:33
